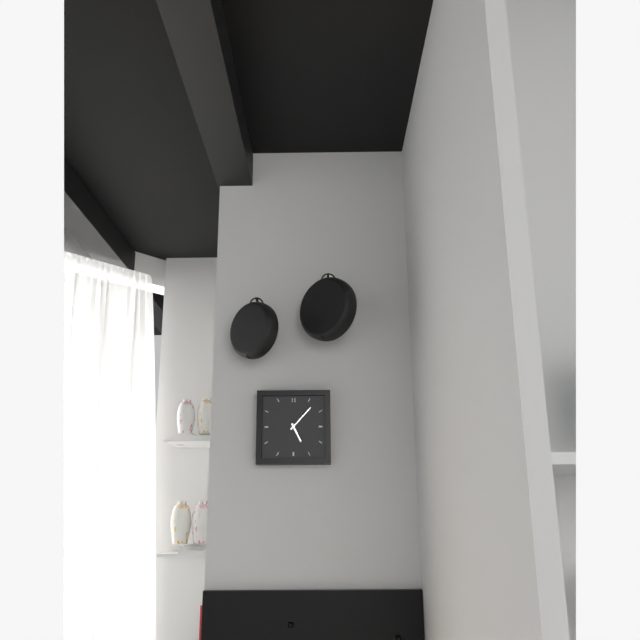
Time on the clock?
5:07
